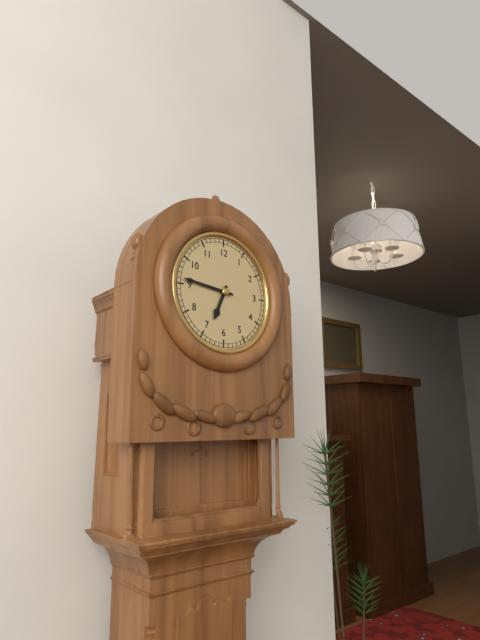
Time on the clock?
6:46
